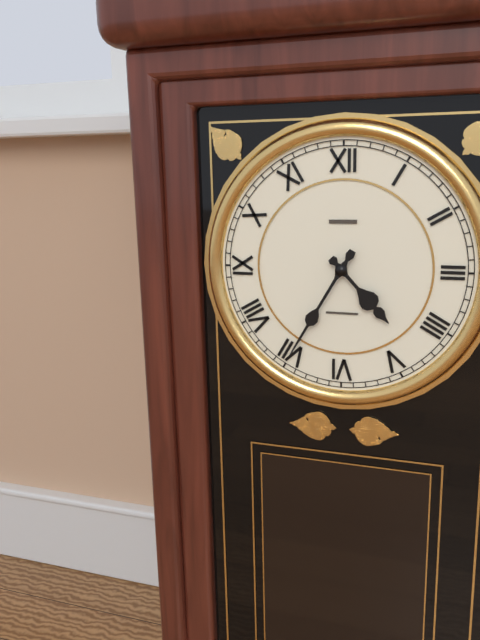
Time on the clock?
4:35
